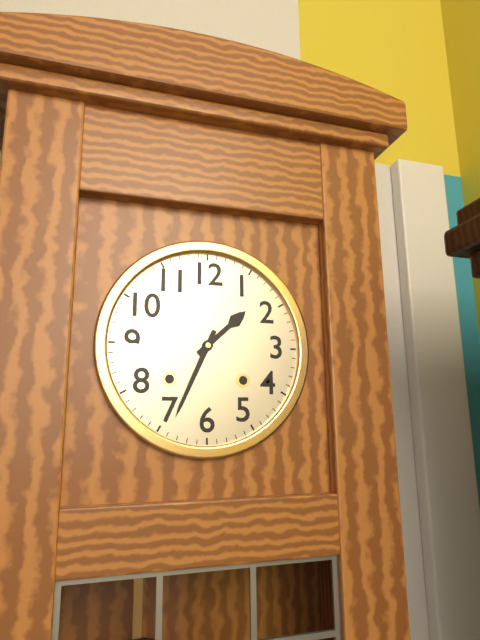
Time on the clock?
1:34
